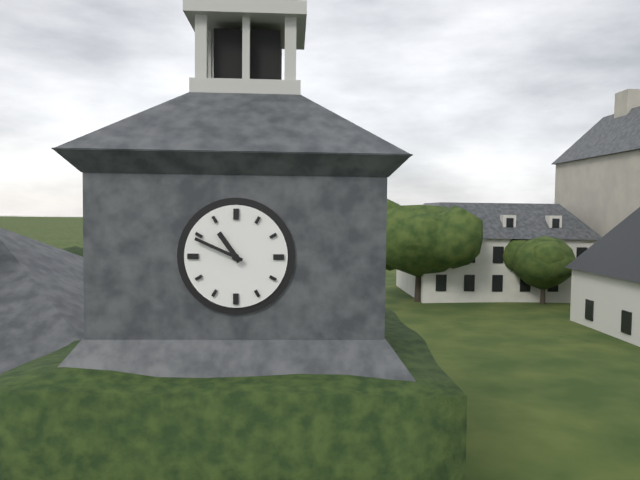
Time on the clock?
10:49
